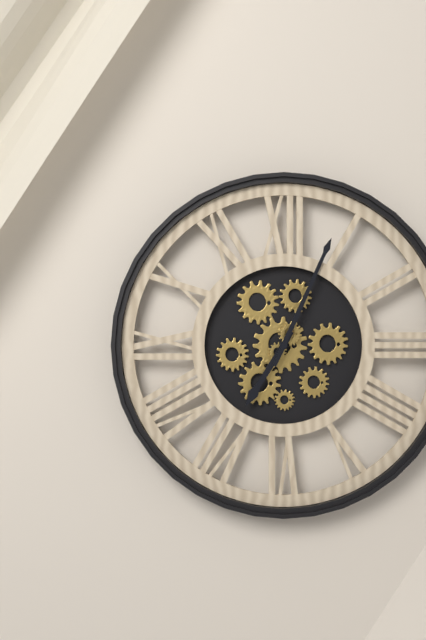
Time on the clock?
7:04
